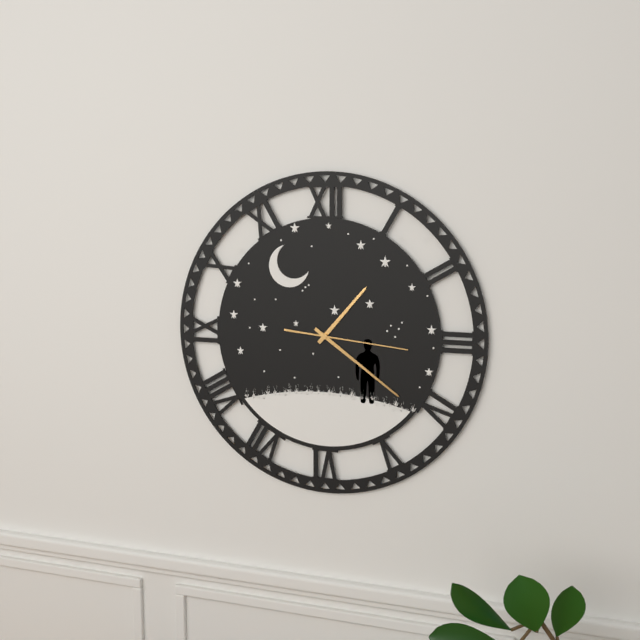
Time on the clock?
1:21:16
